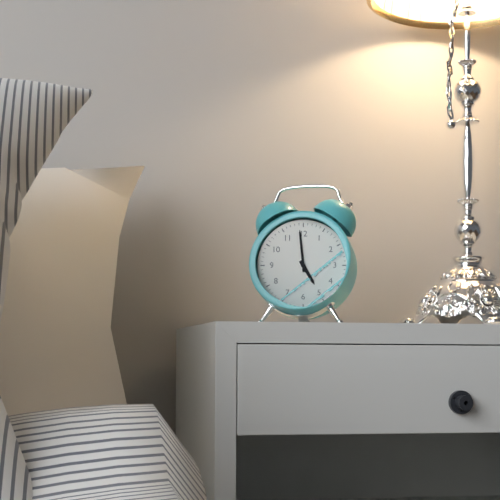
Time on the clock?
4:59
